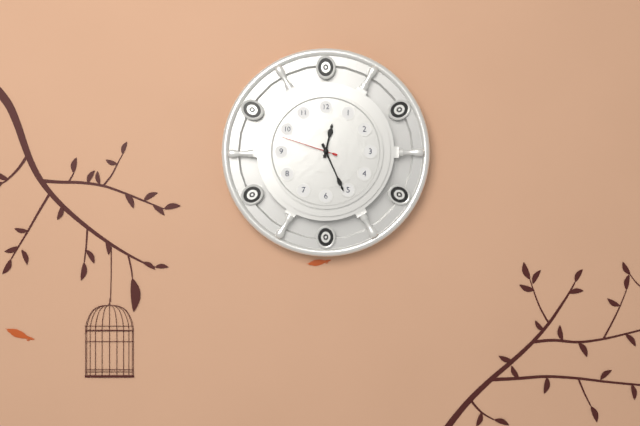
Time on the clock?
12:26:48
